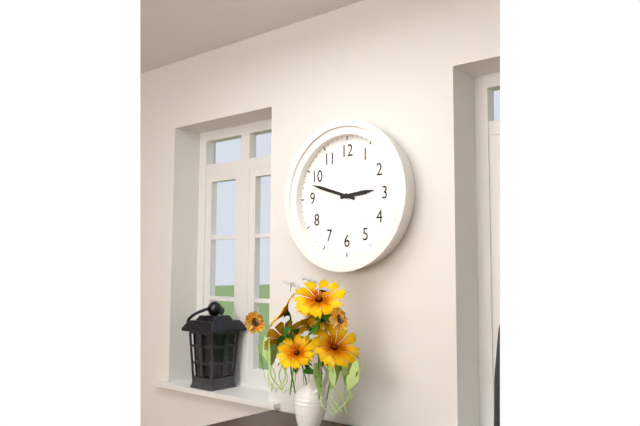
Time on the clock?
2:48
